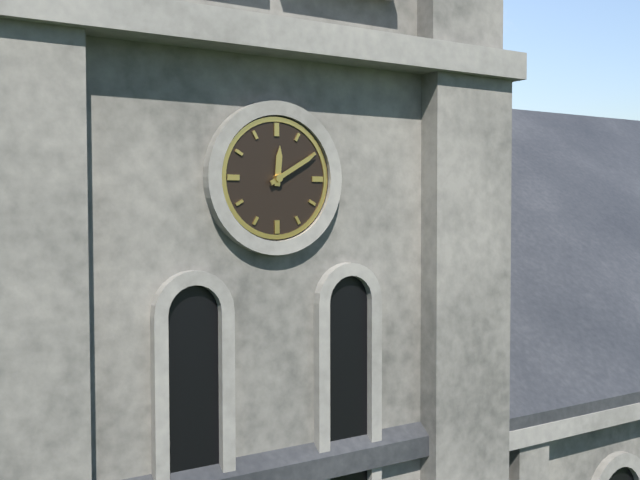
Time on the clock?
12:10
